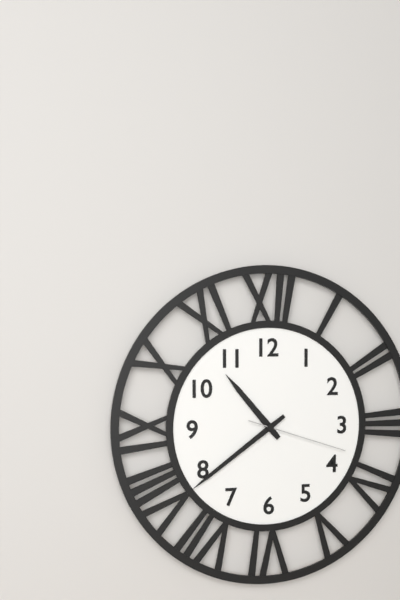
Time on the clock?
10:39:18
